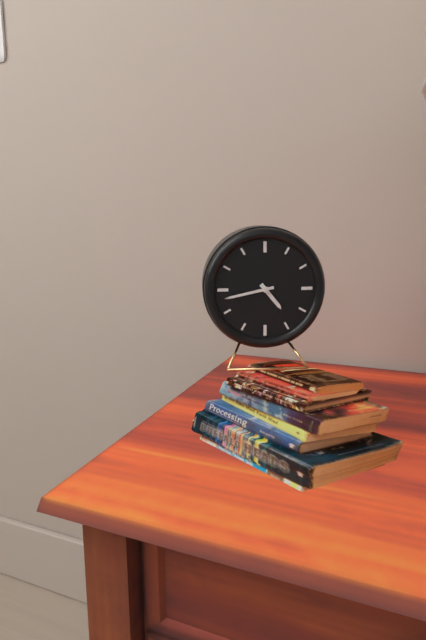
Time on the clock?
4:43
